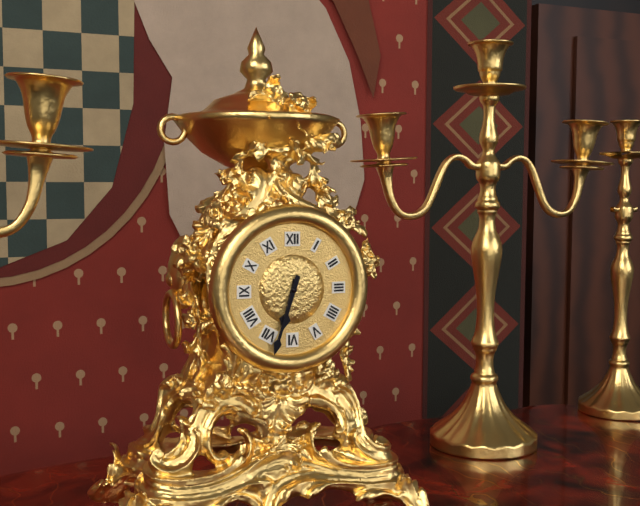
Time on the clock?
6:33
